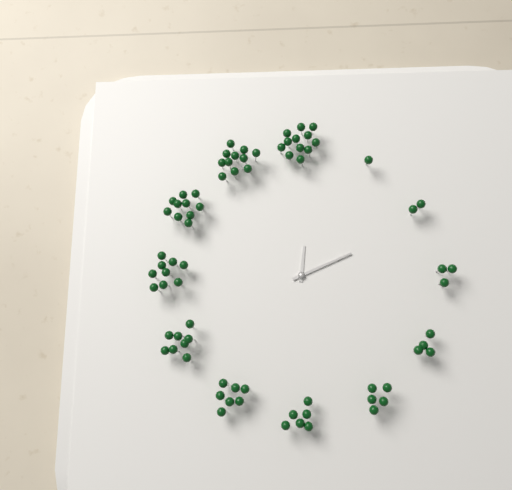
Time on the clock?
12:11
